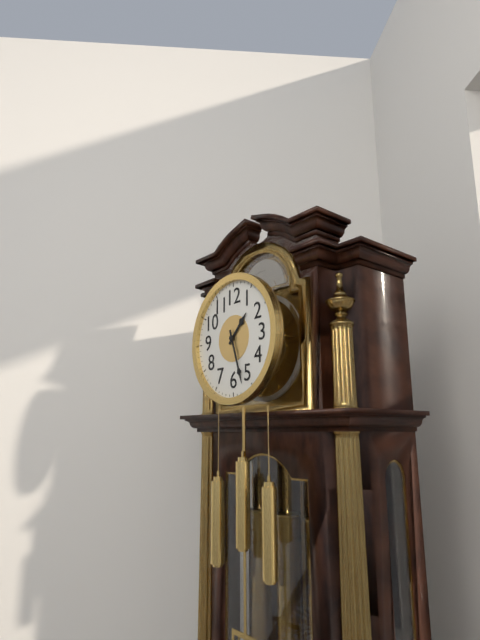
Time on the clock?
1:27
